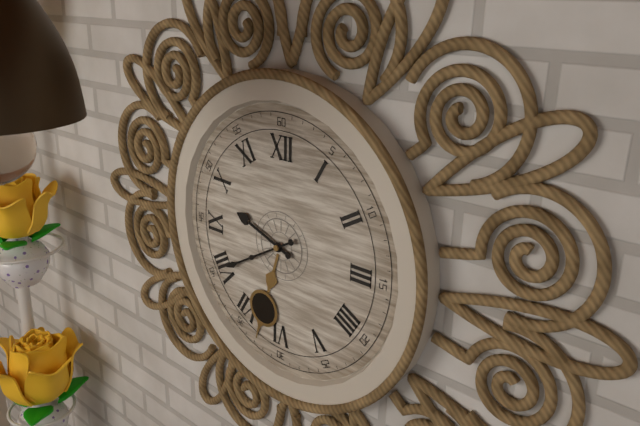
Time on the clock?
9:40
